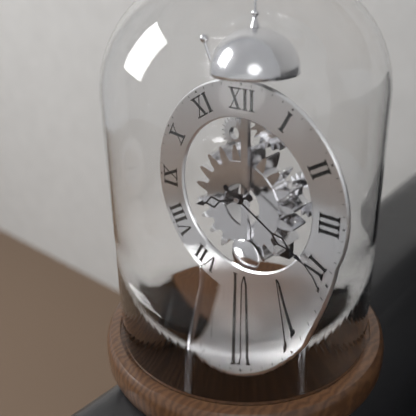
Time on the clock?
8:20
